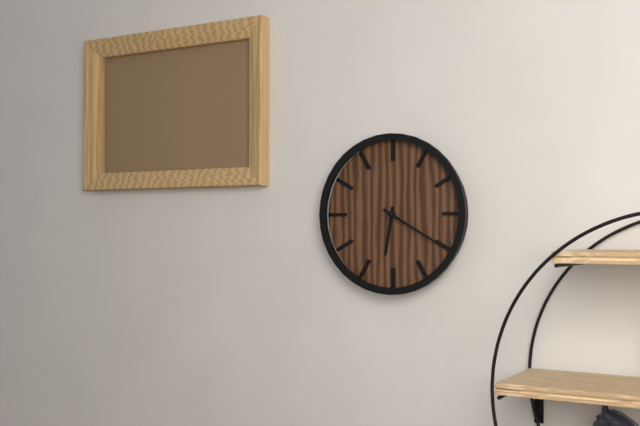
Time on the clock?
6:20
